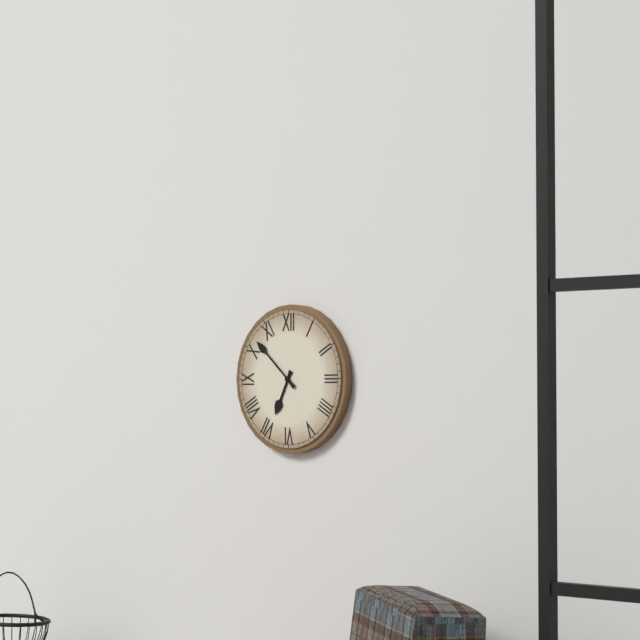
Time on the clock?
6:52
